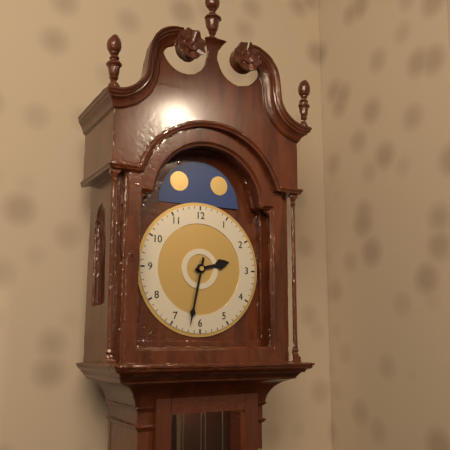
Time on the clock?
2:32
